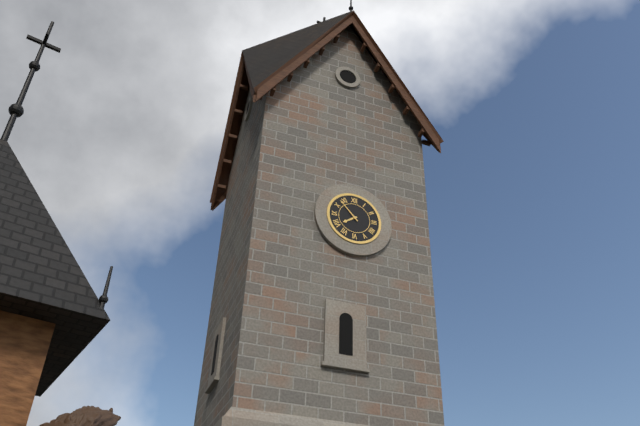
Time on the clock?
7:53
